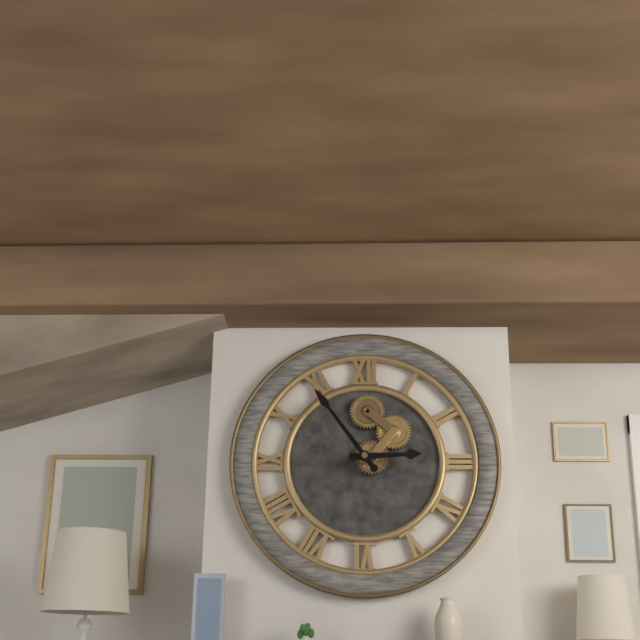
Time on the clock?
2:54
